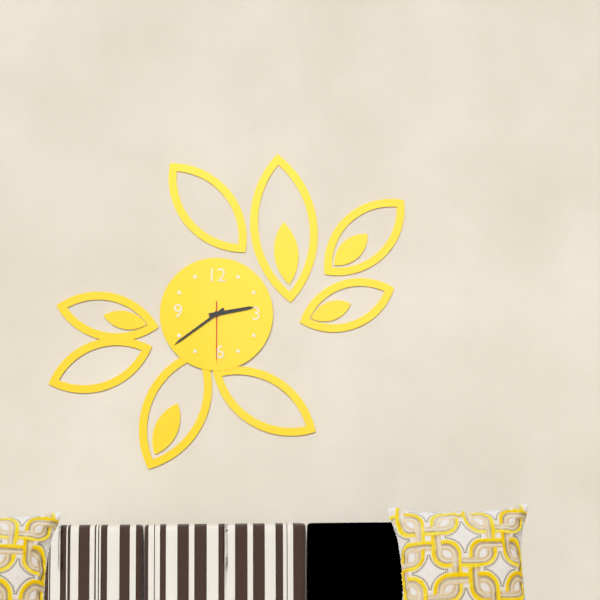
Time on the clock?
2:39:30
